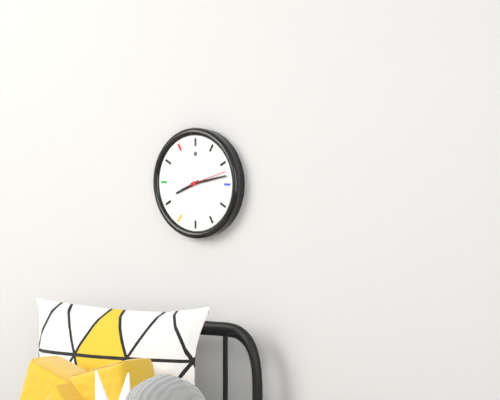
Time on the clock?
8:13
